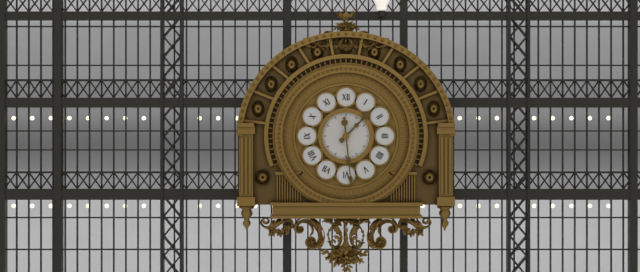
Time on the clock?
1:29
